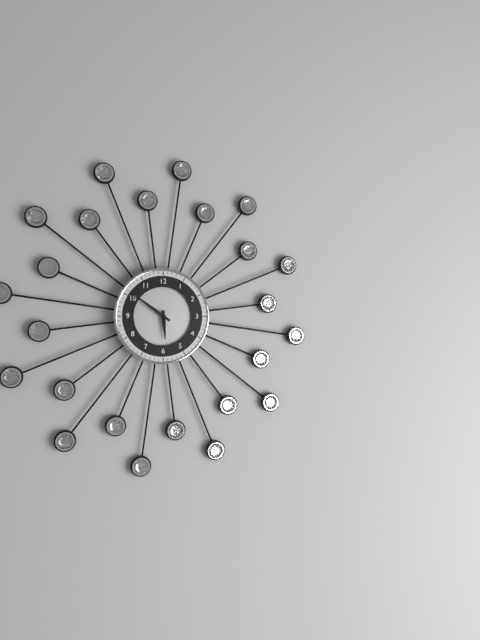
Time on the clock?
5:51
